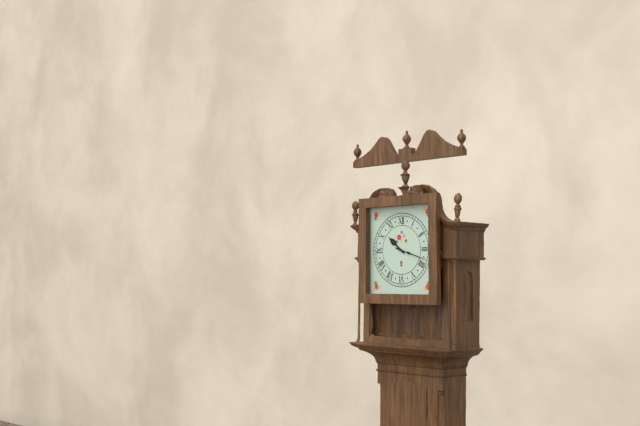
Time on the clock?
10:18
